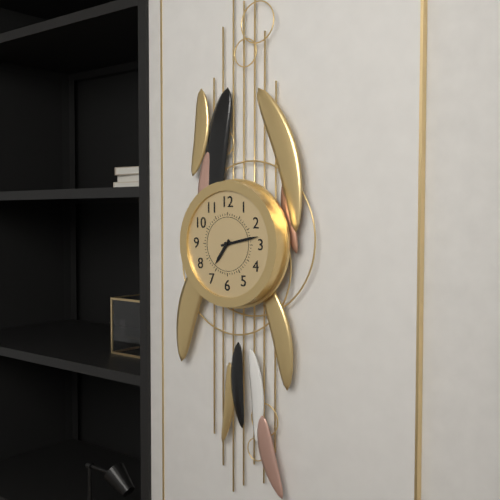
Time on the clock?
7:13
